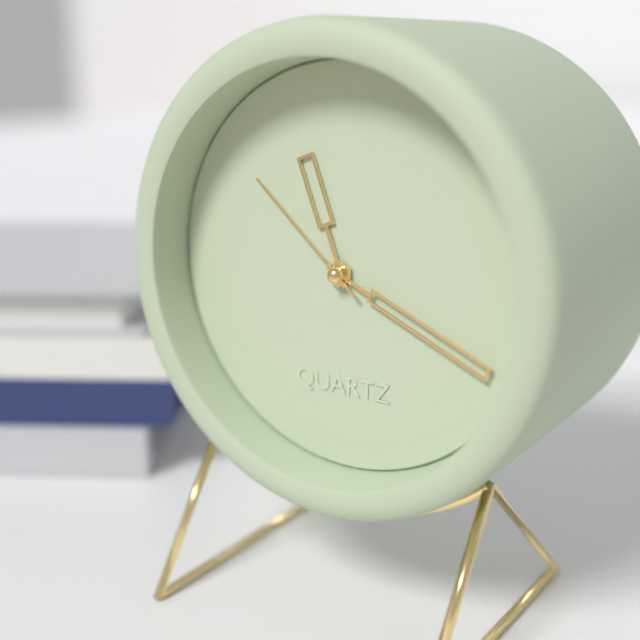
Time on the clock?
11:19:52
